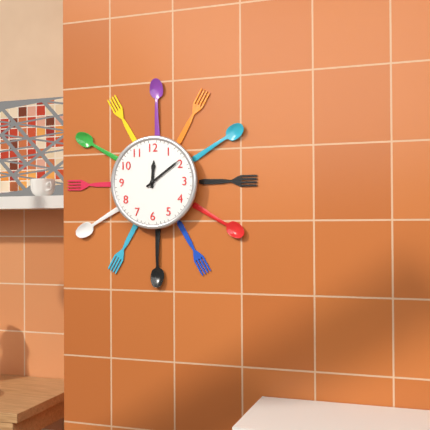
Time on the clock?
12:09
